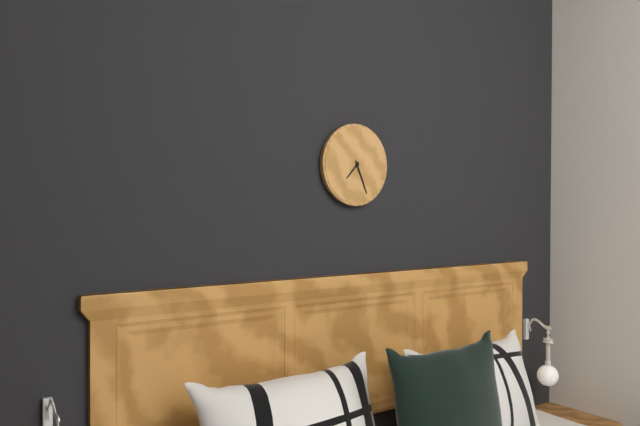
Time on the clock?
7:26
